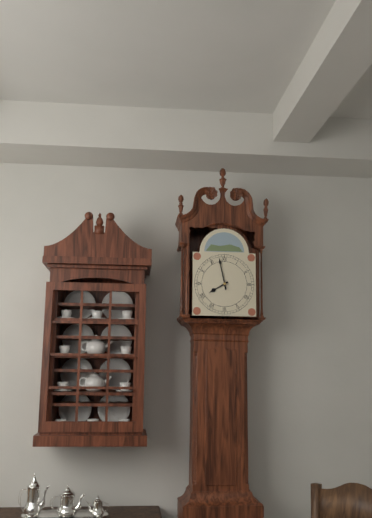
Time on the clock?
7:58
